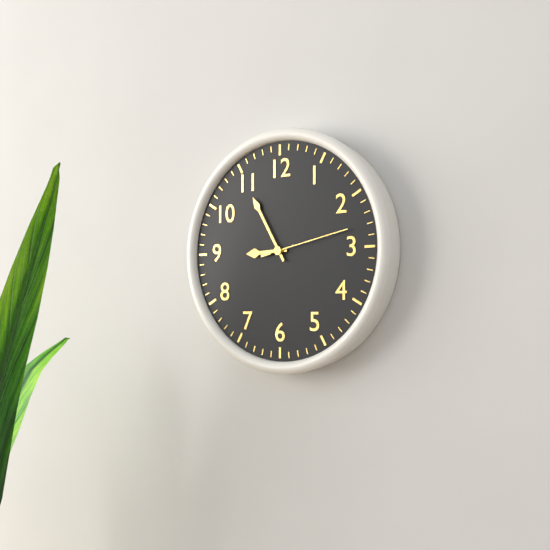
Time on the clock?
8:55:13
